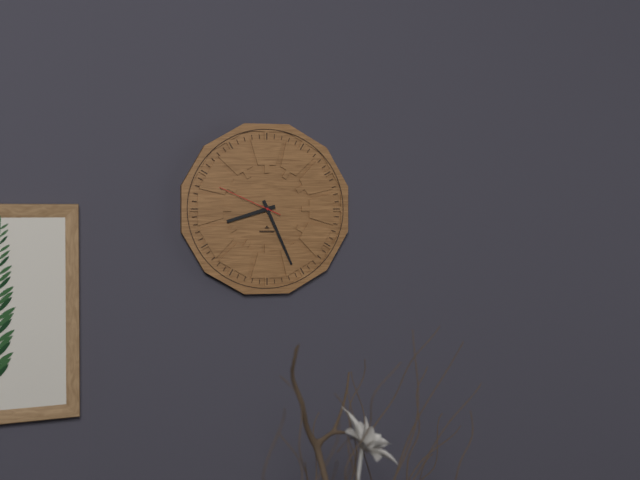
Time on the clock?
8:26:49
